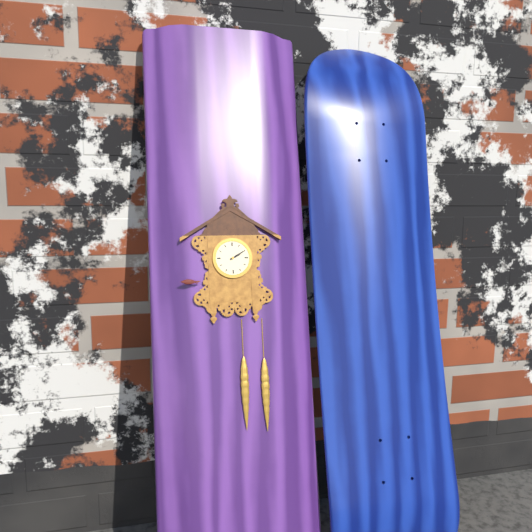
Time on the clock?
2:10
